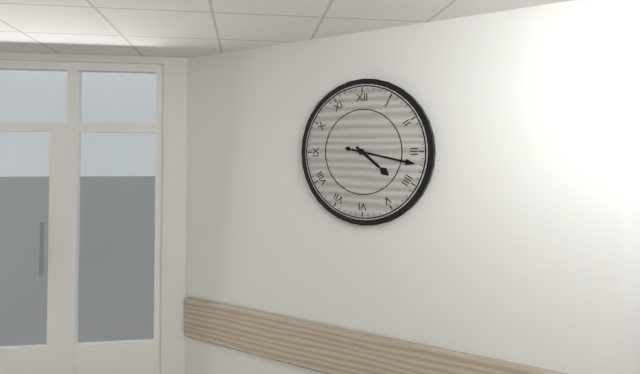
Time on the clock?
4:17
